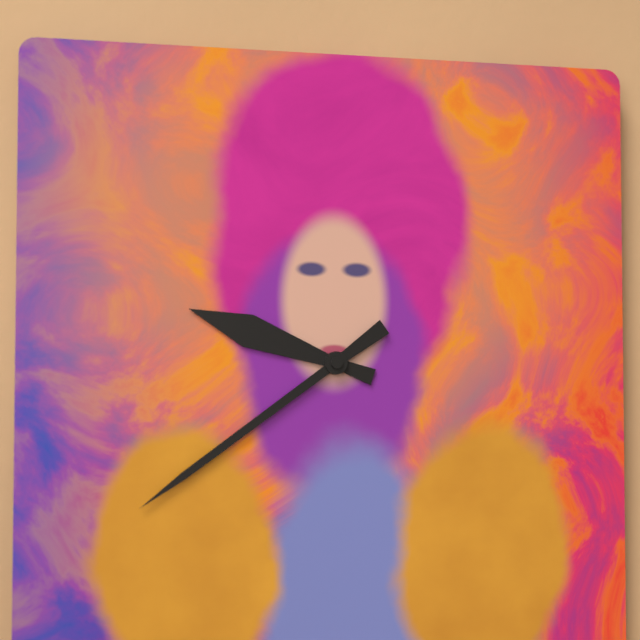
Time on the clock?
9:39
